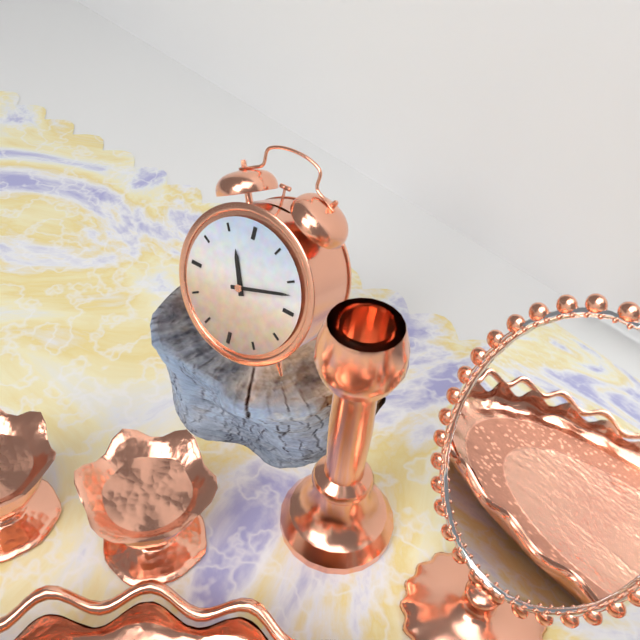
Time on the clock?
11:12
